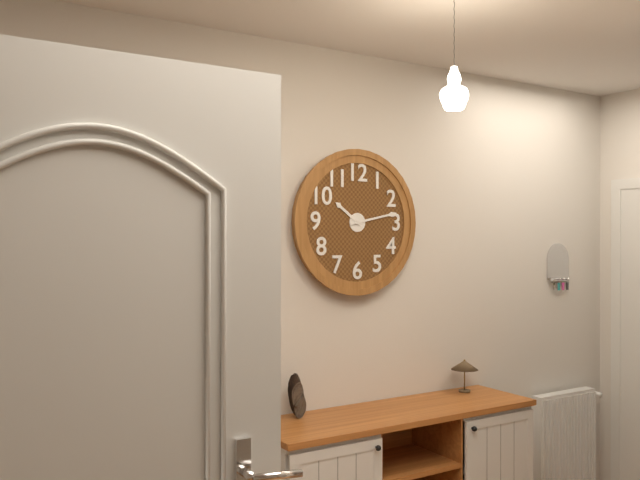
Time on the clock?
10:13
